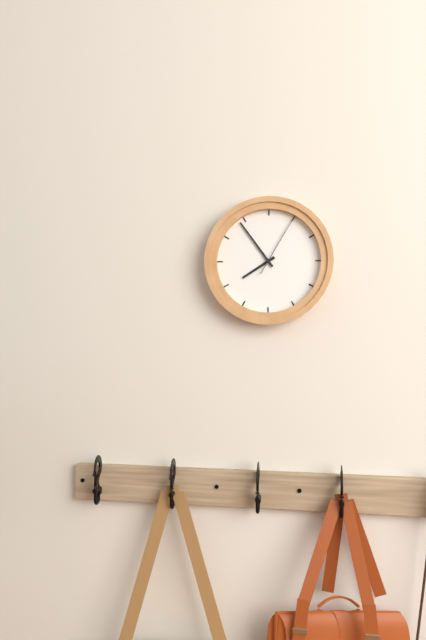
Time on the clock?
7:54:05
